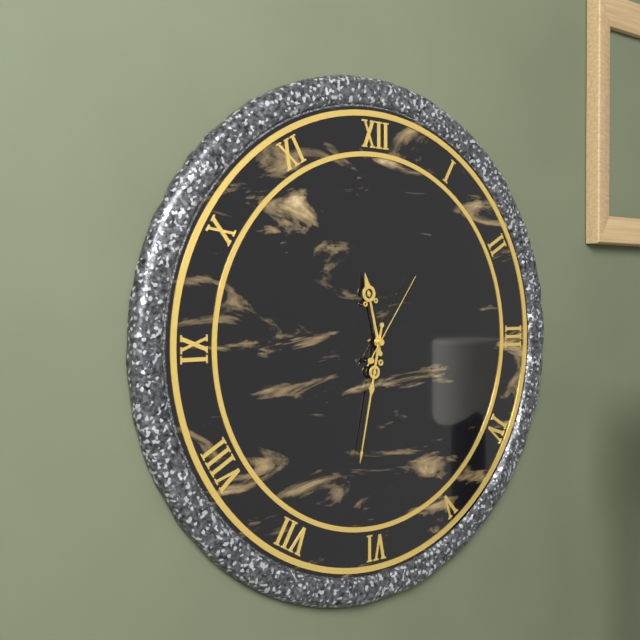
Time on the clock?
11:32:06
